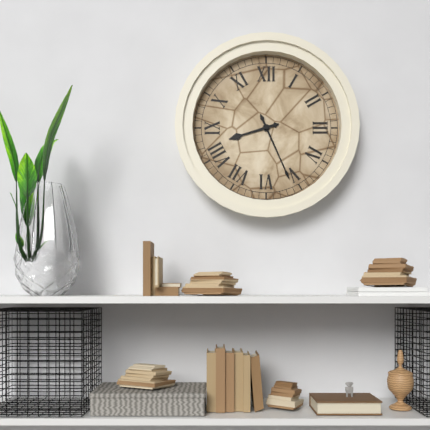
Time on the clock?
8:26
